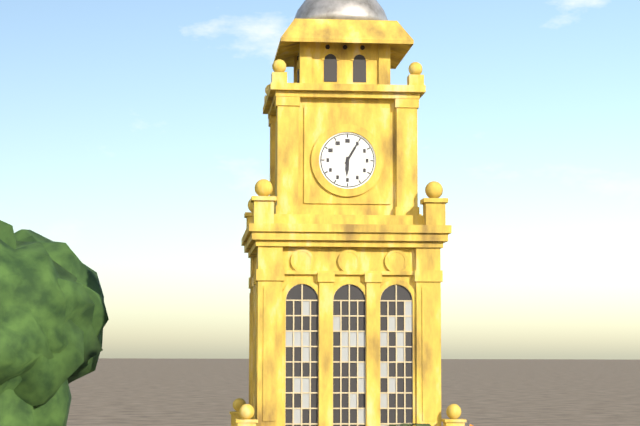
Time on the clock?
6:05
